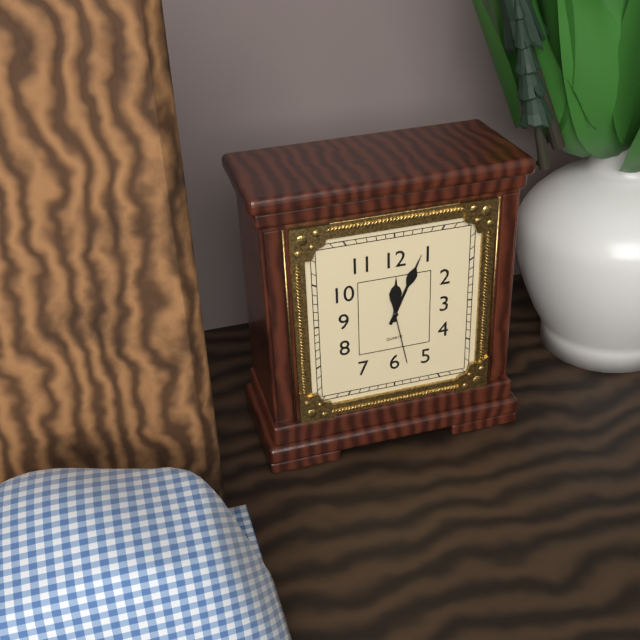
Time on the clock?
12:04:28
